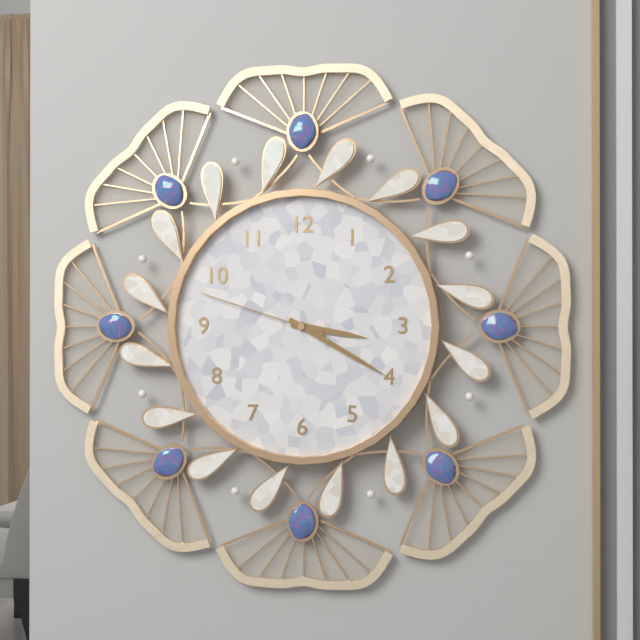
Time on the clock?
3:20:48
